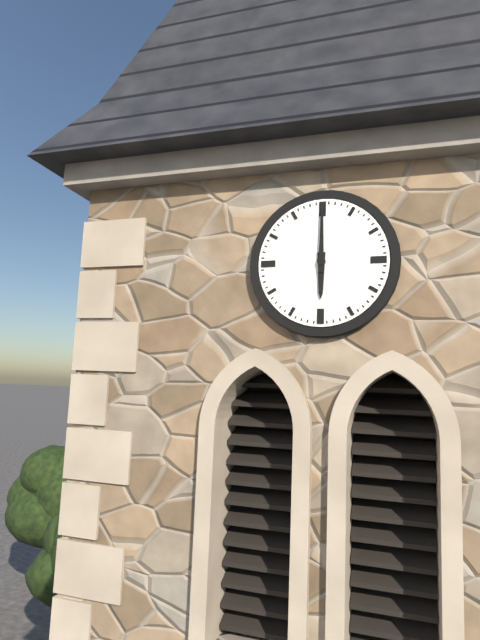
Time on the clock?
6:00
